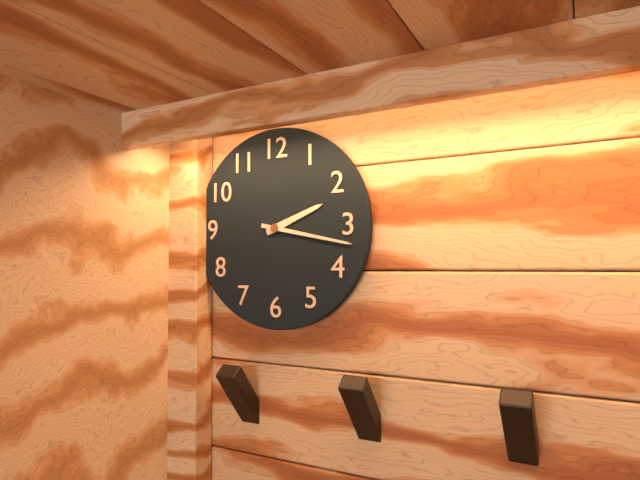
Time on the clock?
2:17
